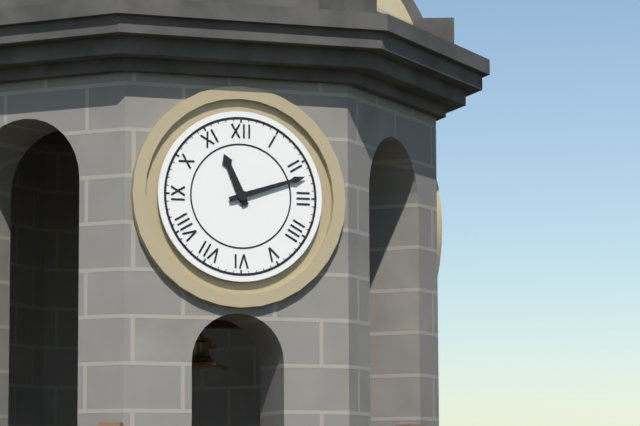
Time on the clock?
11:12
